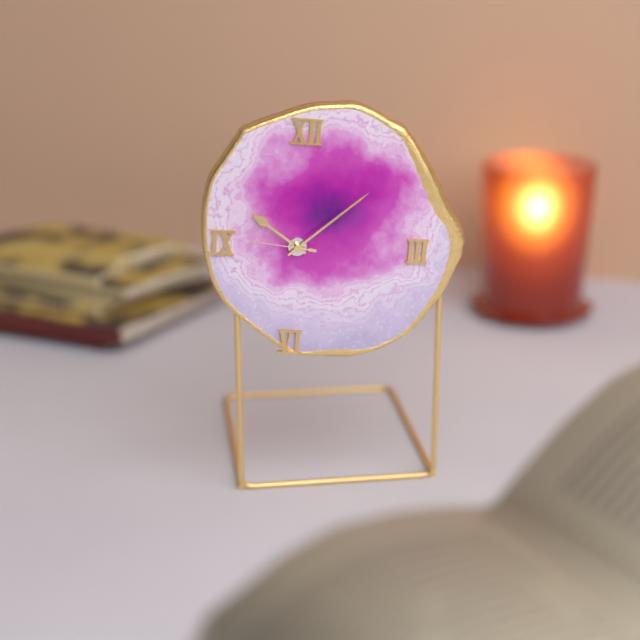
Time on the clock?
10:08:46
